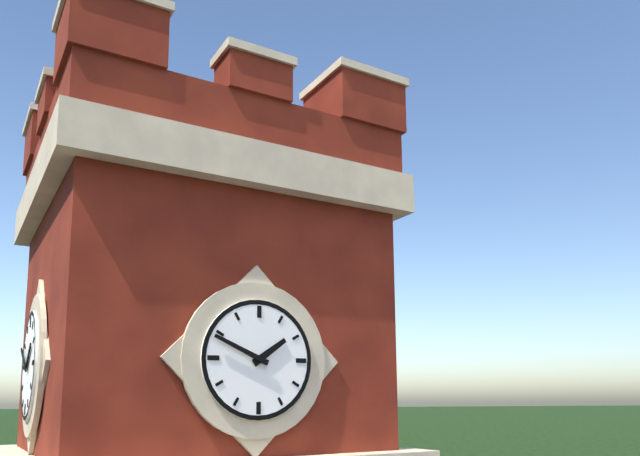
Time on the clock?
1:49
